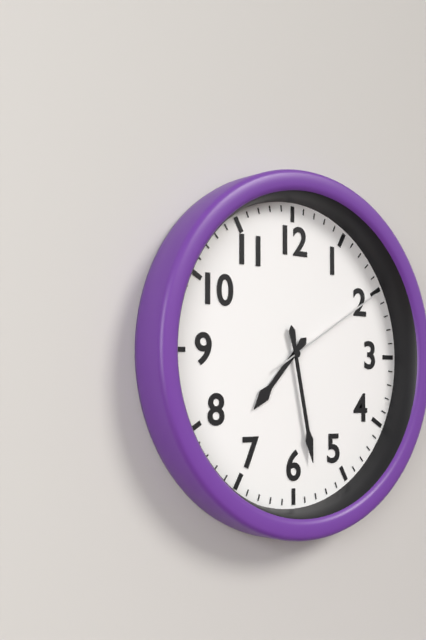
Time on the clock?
7:28:10
